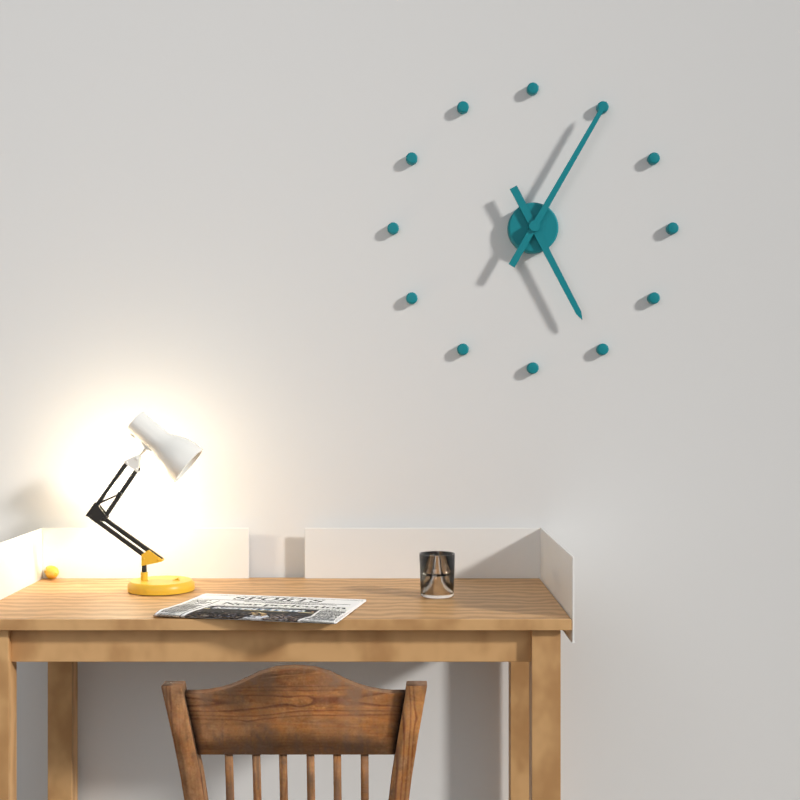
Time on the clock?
5:05
